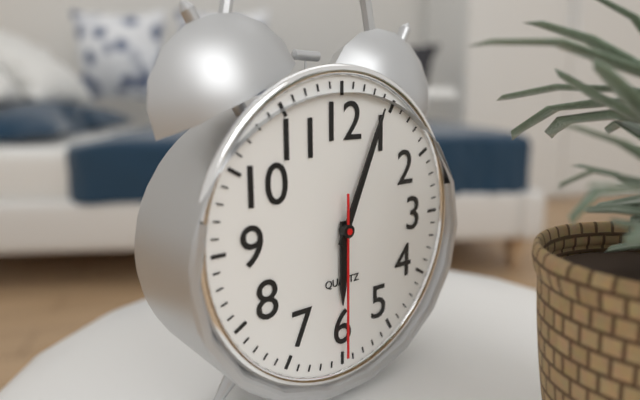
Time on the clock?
6:04:30
